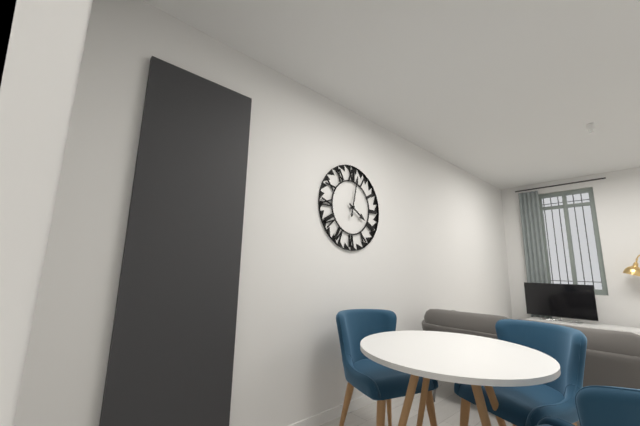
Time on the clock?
4:02
